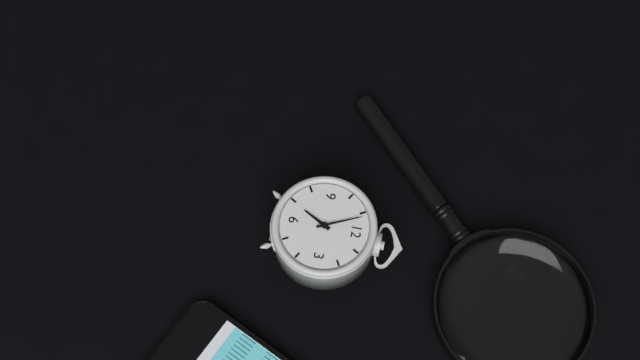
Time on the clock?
6:56
